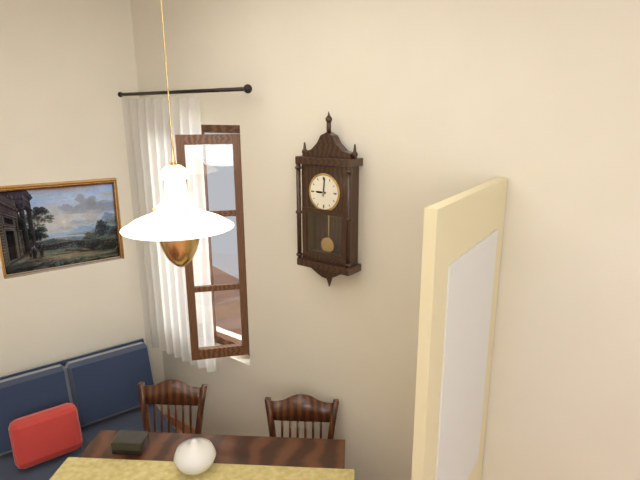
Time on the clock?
9:01
